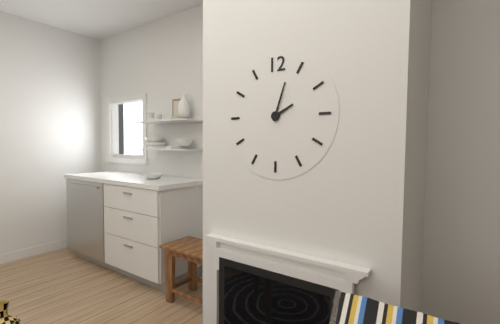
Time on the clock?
2:03
